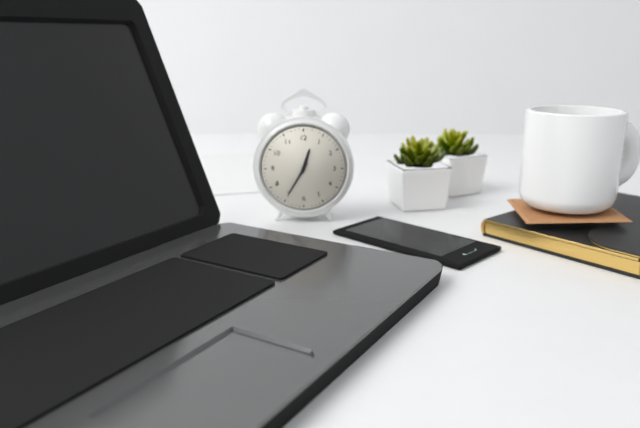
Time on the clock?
12:35
